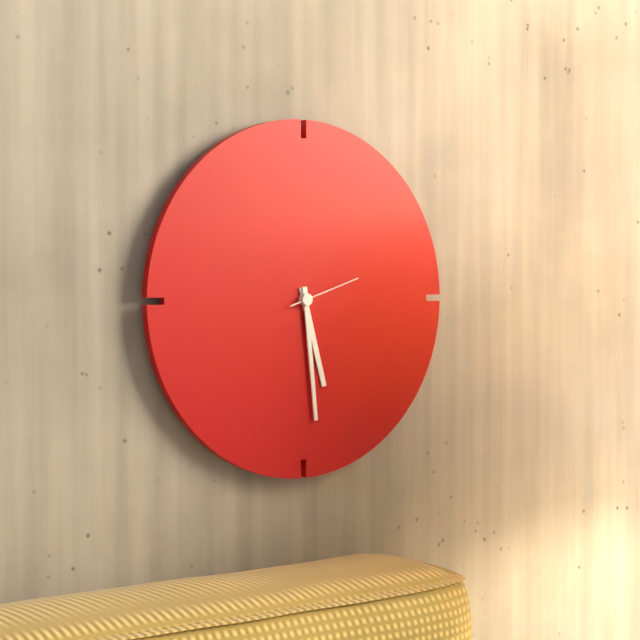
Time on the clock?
5:29:12
